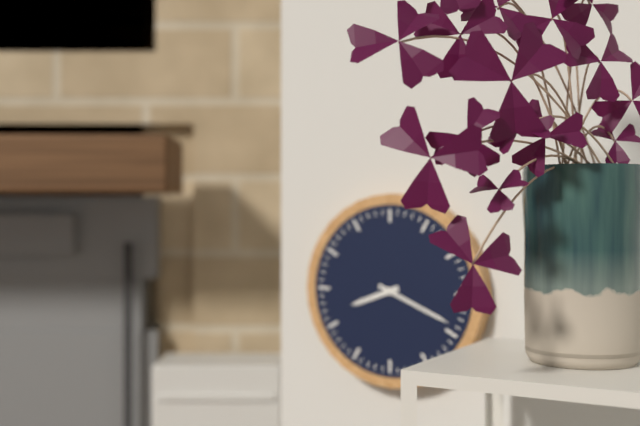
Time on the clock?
8:19
